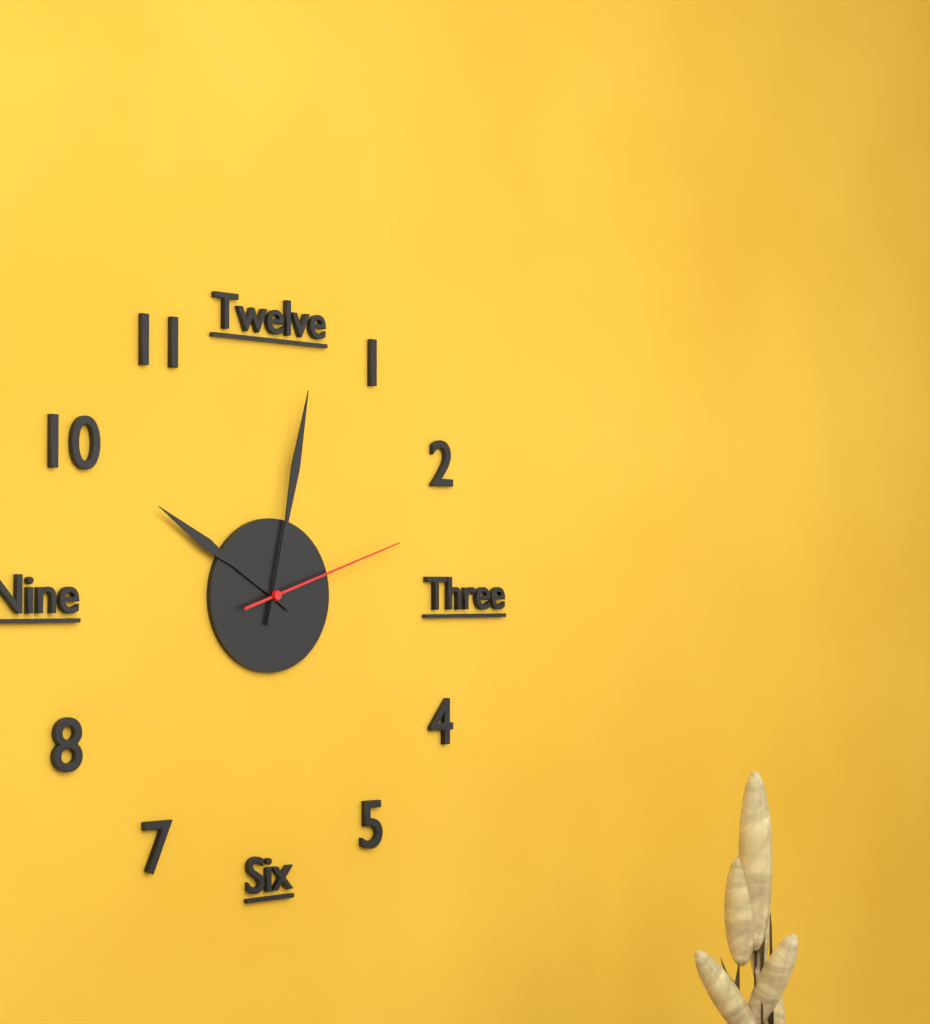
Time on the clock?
10:02:12
